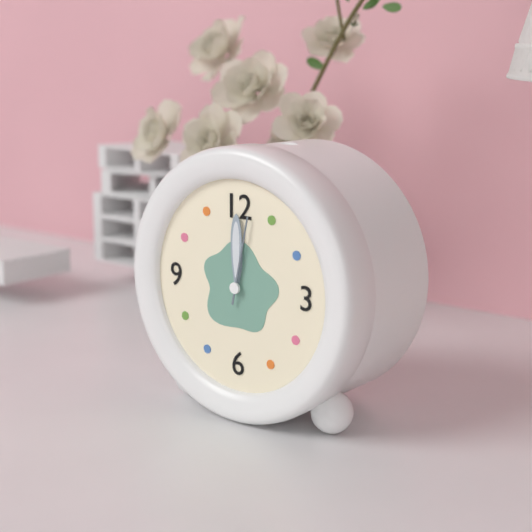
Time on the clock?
12:00:02
